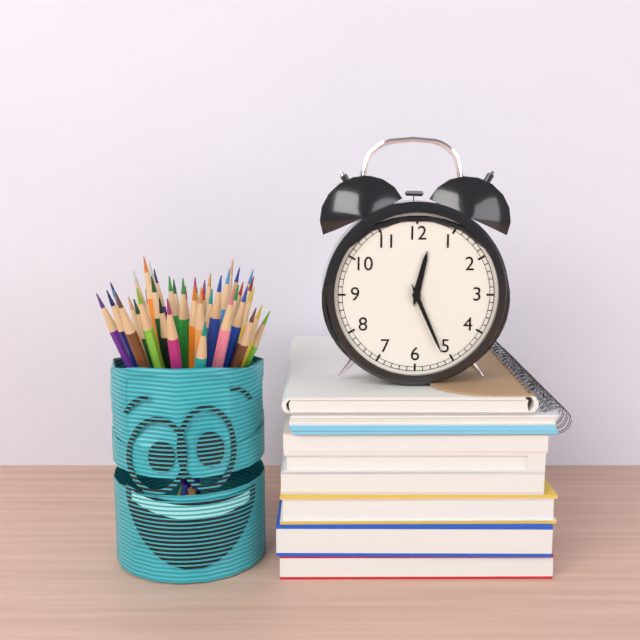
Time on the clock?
12:26
